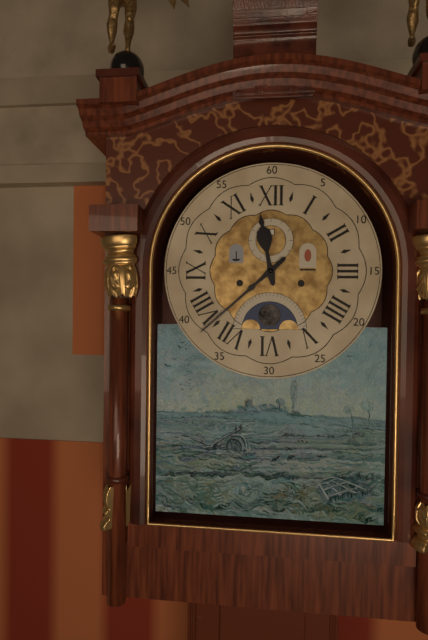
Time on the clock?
11:38
